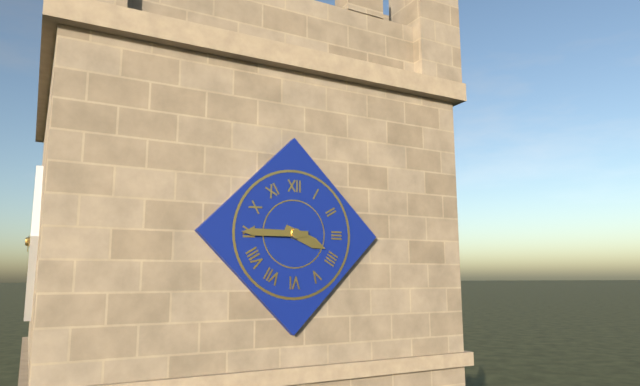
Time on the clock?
3:45
